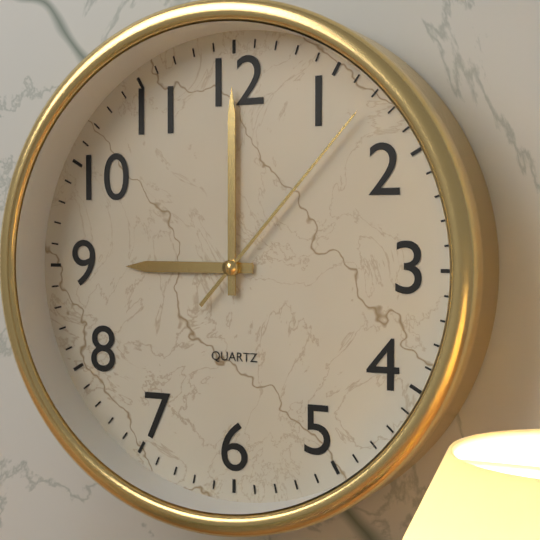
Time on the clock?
9:00:07
